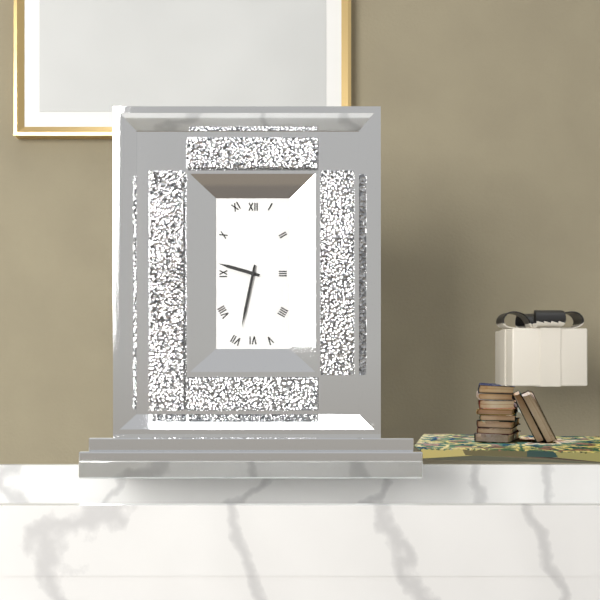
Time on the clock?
9:32
